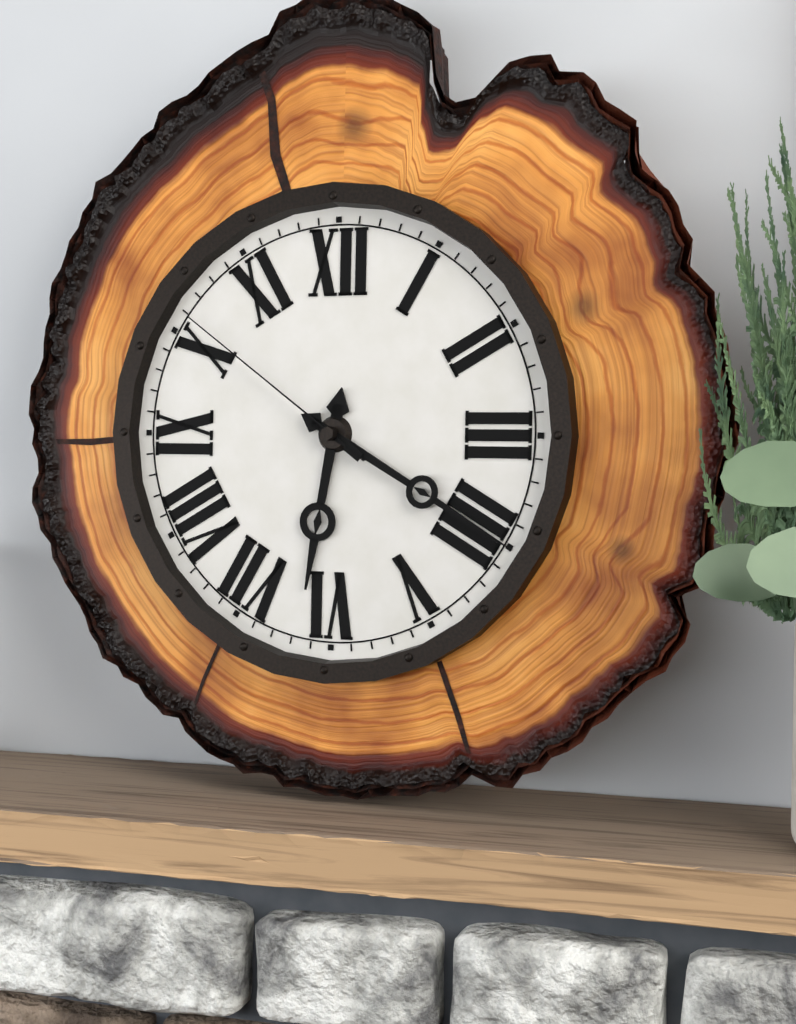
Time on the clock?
6:20:51
